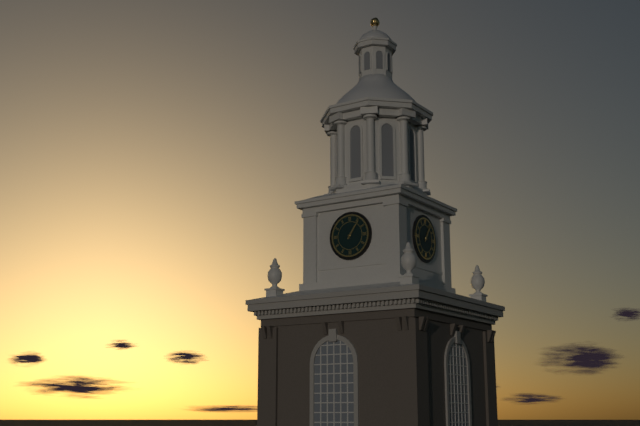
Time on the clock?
1:06
